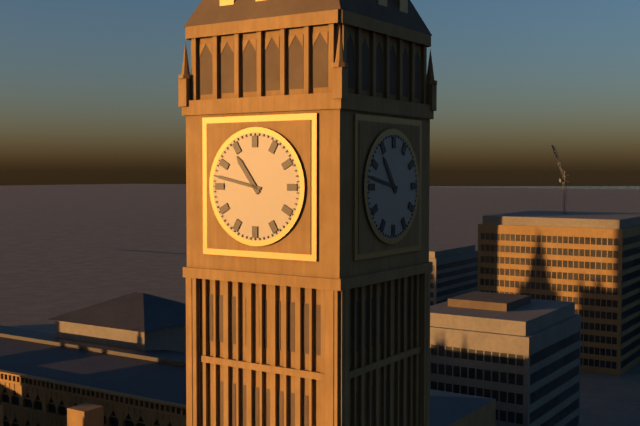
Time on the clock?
10:47
